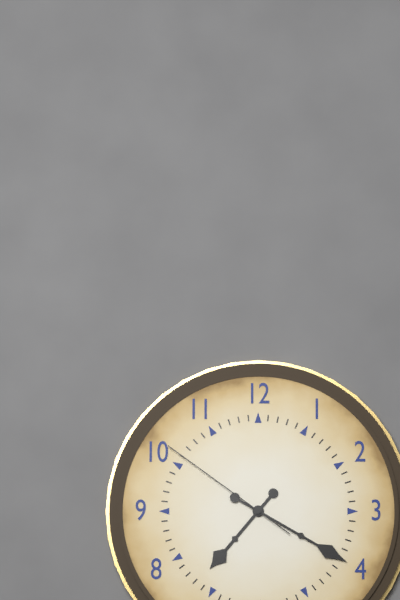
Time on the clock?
7:20:51
